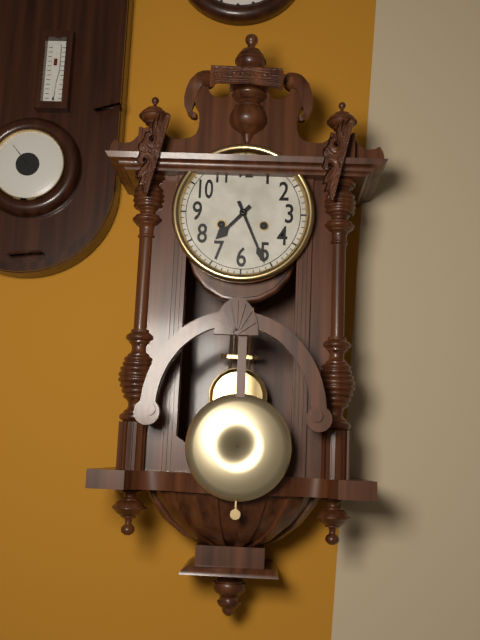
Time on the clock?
7:26
